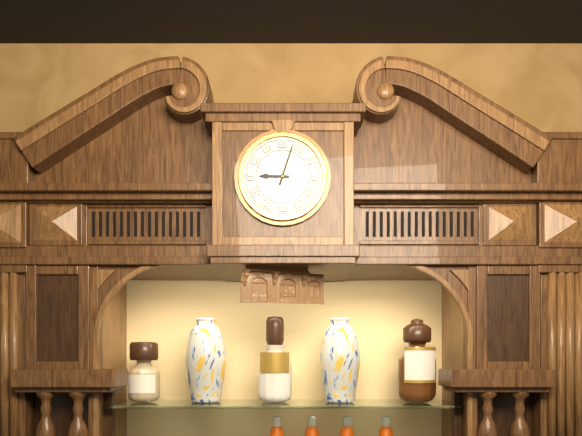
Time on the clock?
9:03
